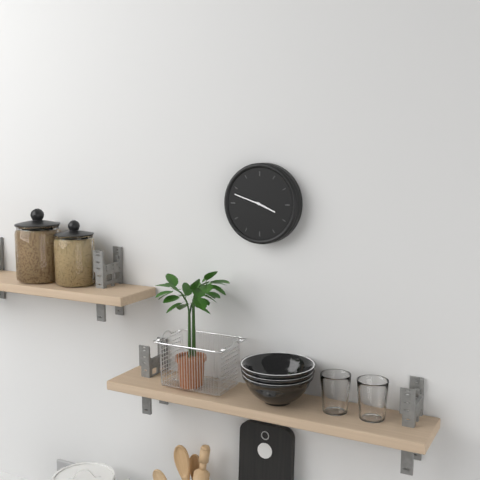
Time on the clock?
3:48
